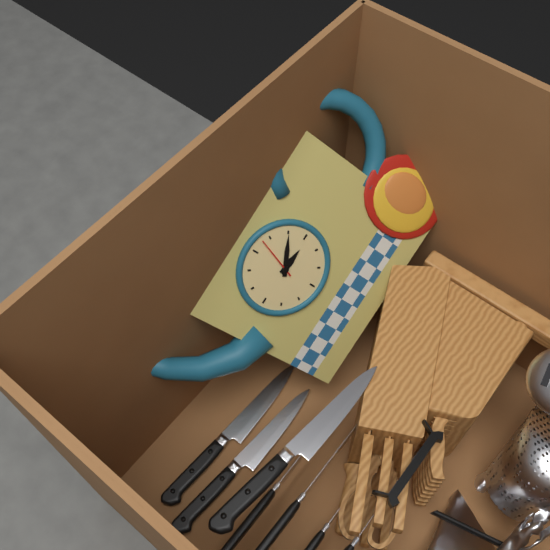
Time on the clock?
3:10
